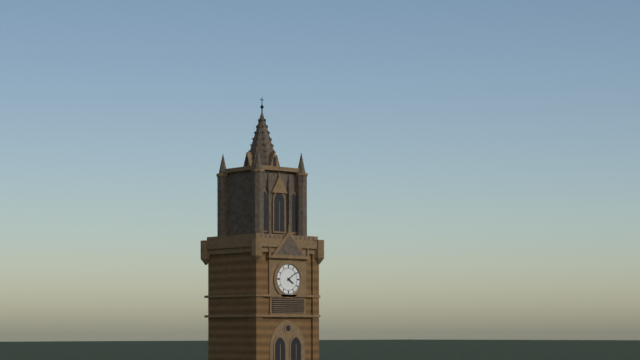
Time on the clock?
4:09
